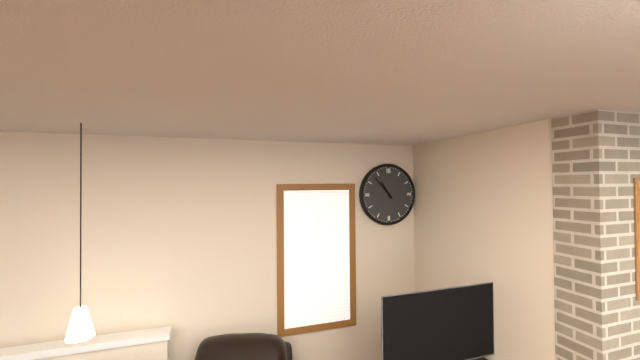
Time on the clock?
10:53
